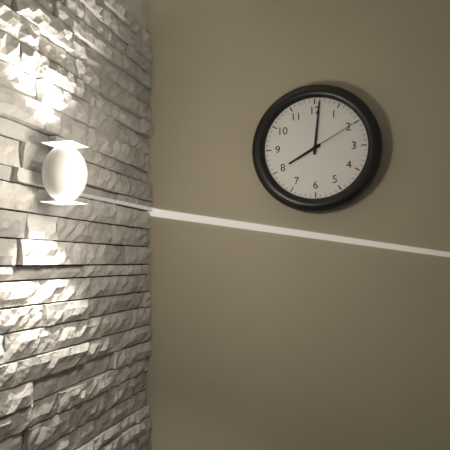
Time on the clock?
8:01:10
